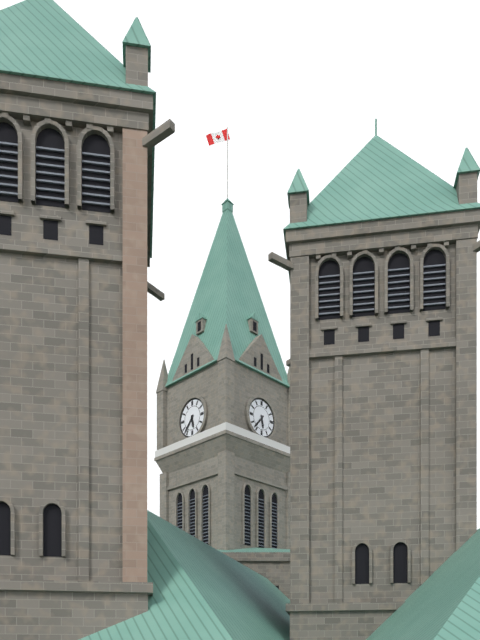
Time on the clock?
5:37
